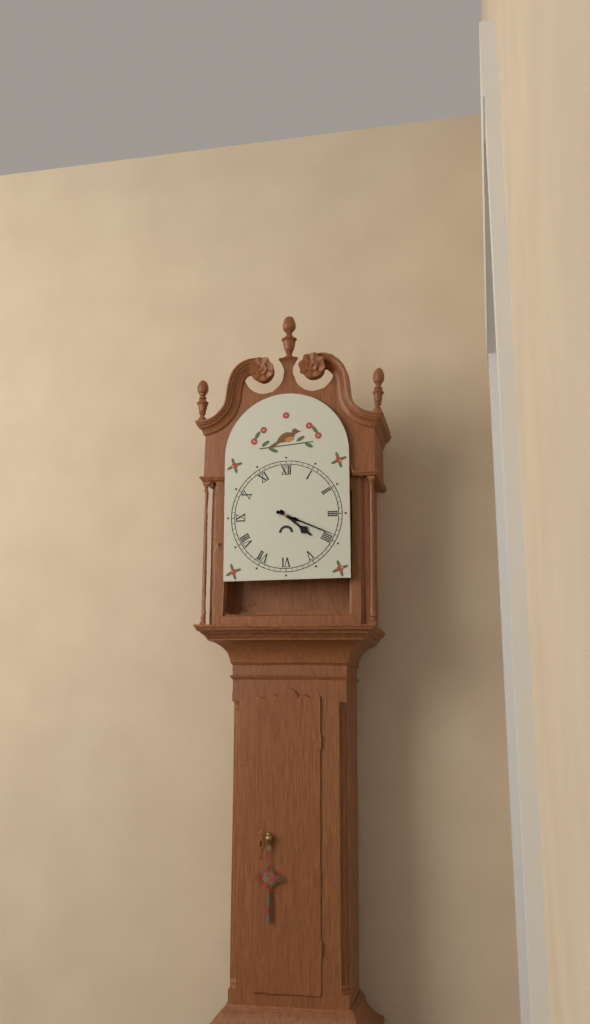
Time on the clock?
4:19
